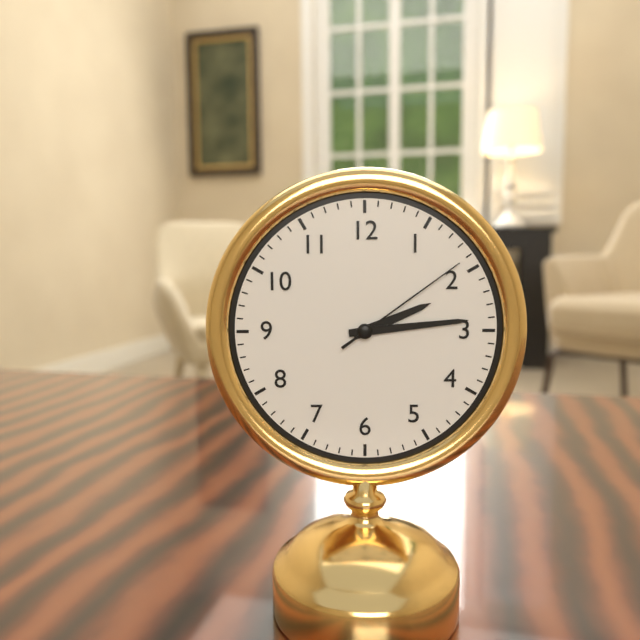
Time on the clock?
2:14:09
